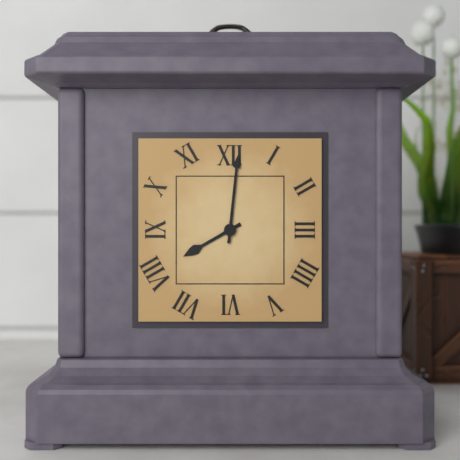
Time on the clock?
8:01
